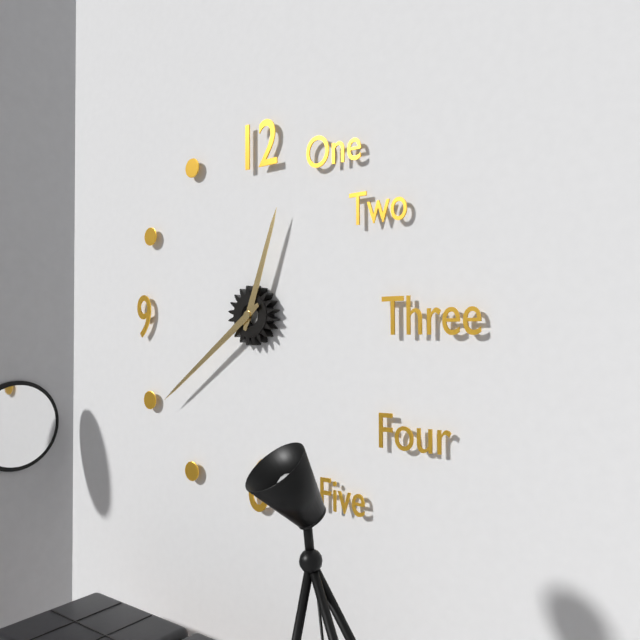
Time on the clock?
12:39
